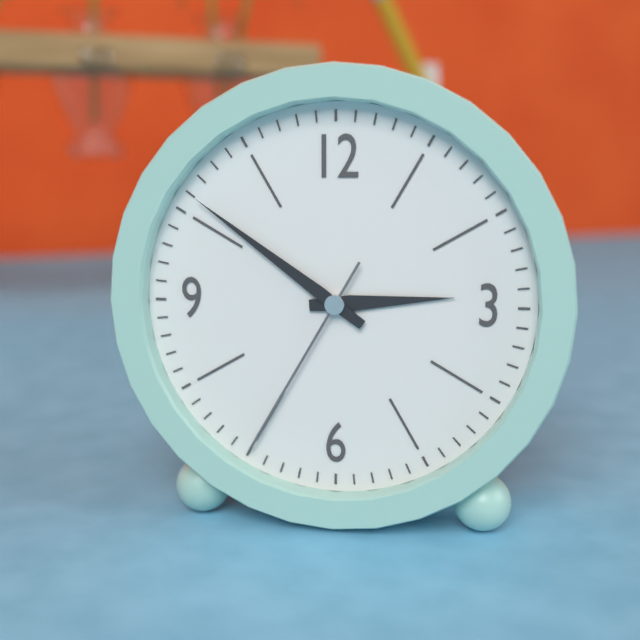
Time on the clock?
2:51:35
